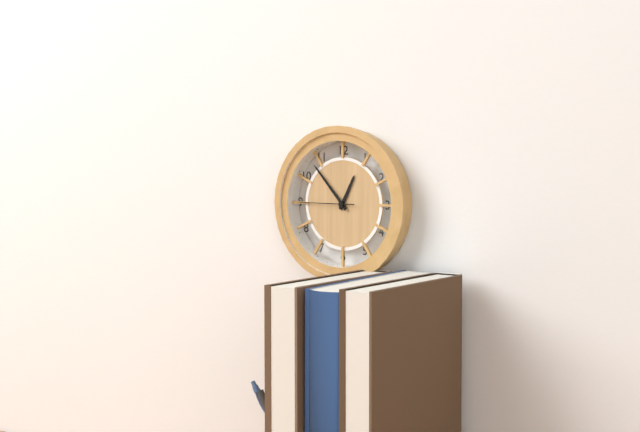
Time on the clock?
12:53:45
